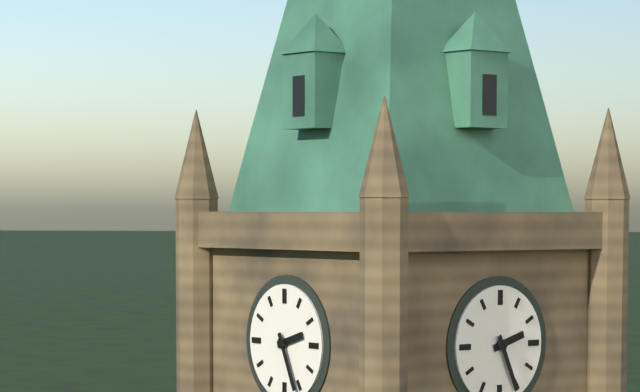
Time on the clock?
2:26
